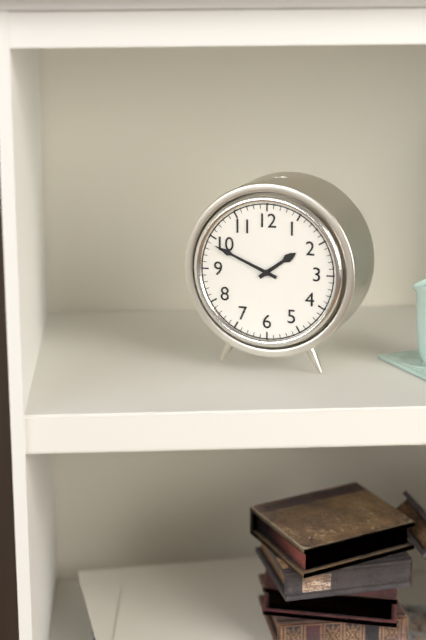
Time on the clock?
1:49
